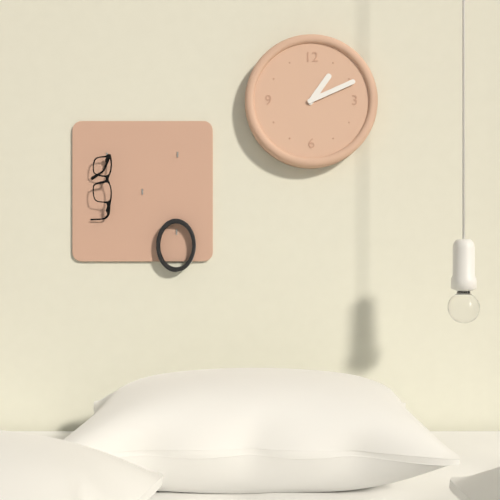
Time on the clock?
1:11
